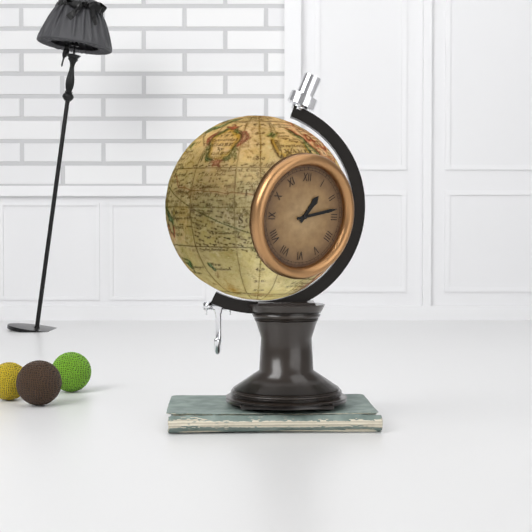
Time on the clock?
1:13
